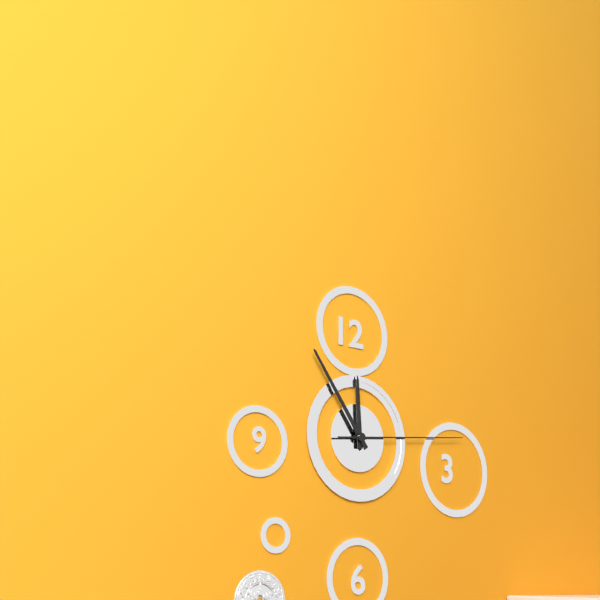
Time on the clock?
11:54:14
